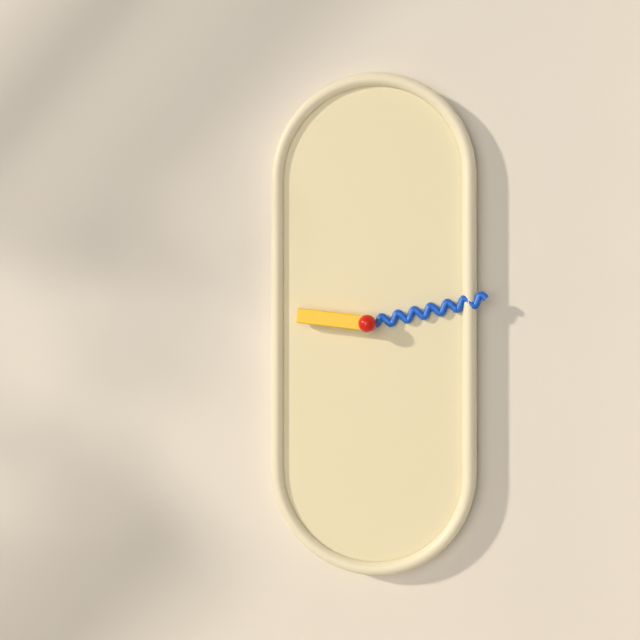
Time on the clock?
9:13
